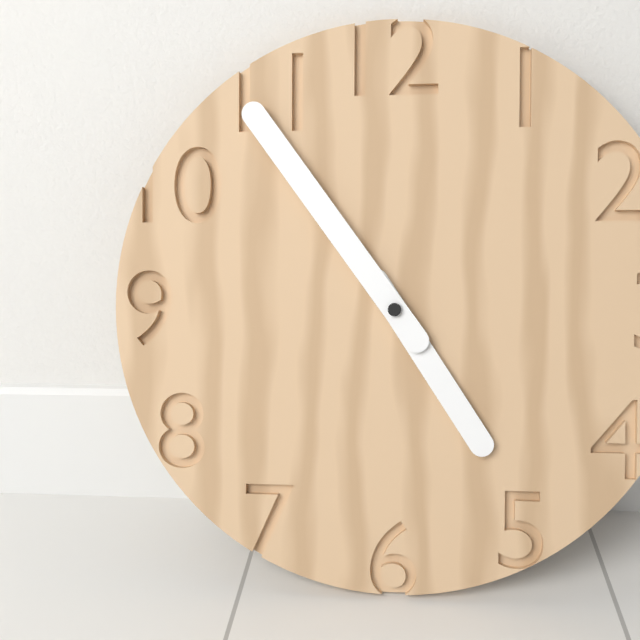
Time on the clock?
4:54
